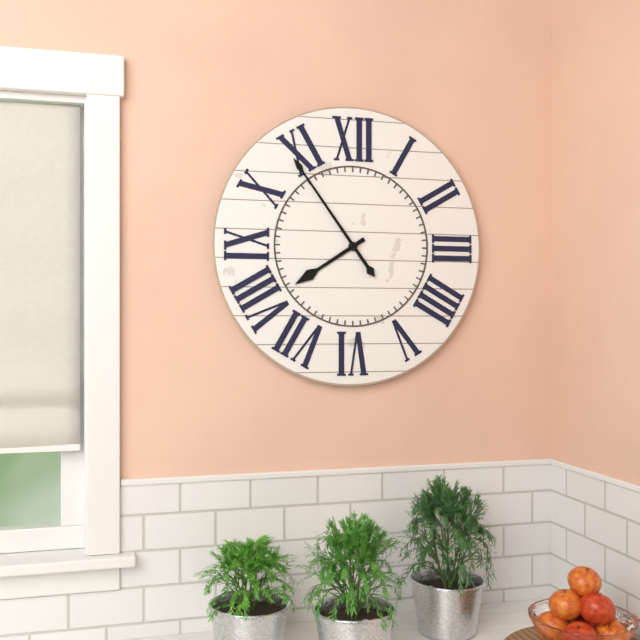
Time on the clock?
7:54
